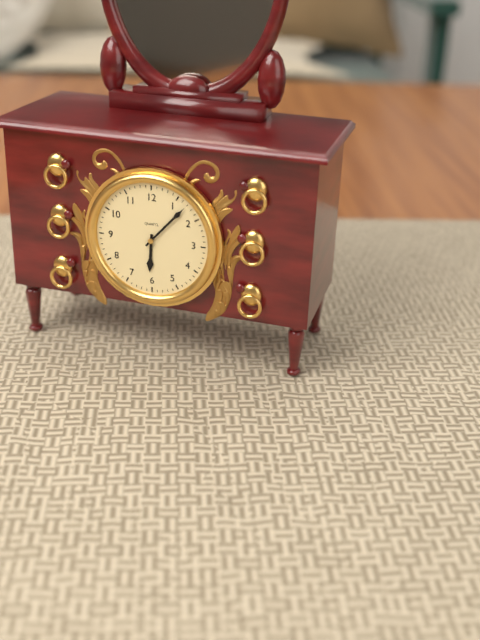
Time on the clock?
6:07
